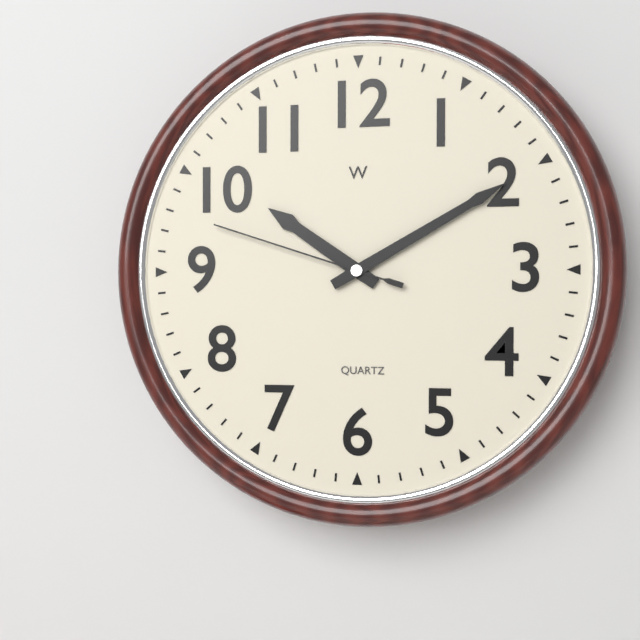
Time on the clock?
10:10:48
